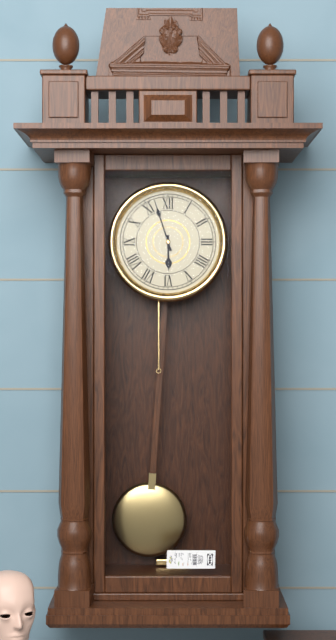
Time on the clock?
5:57
